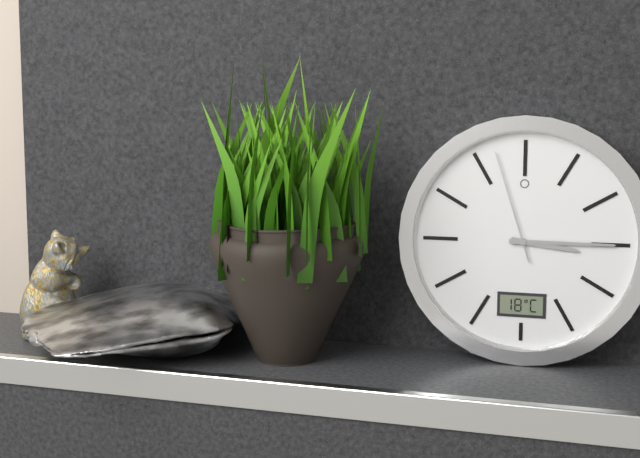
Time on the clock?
3:15:57
